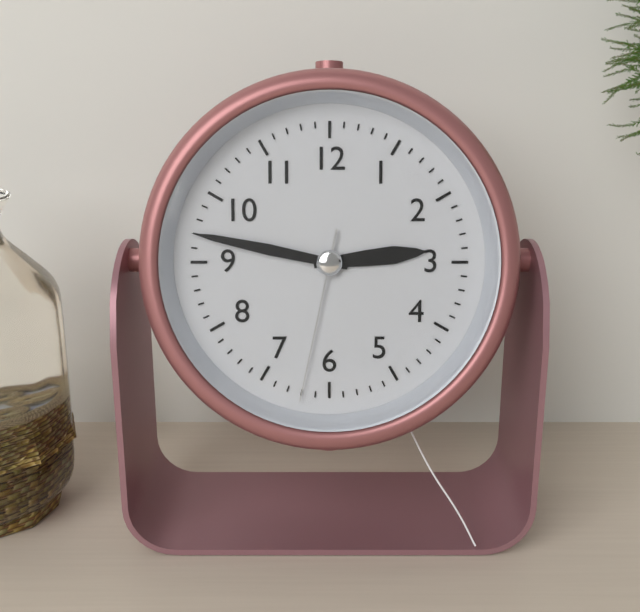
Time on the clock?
2:47:32
